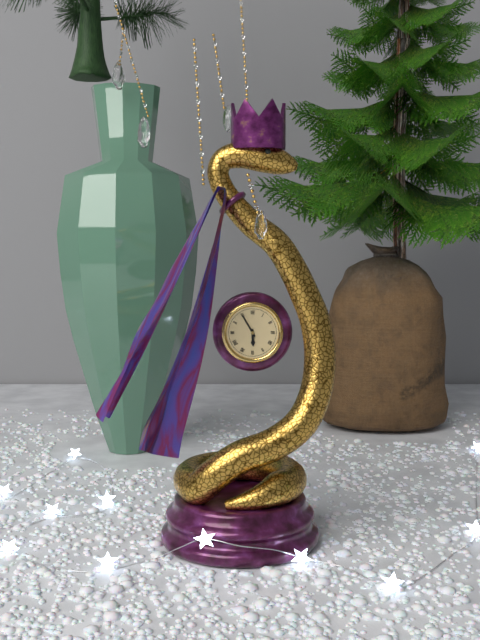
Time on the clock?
5:55
